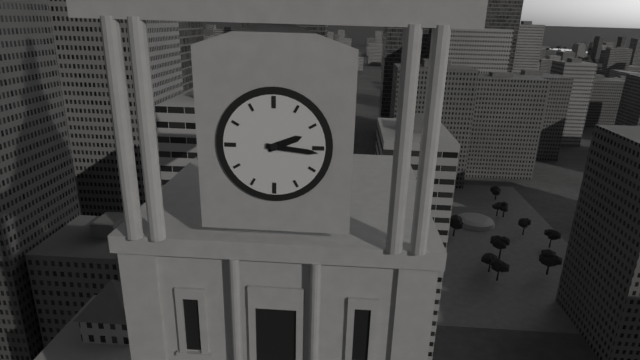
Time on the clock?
2:16
